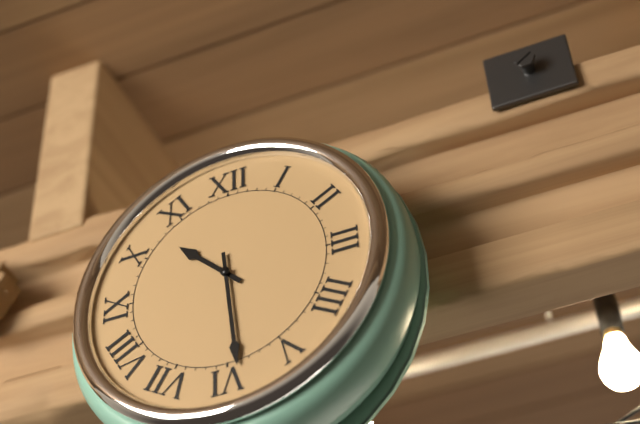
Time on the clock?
10:29
